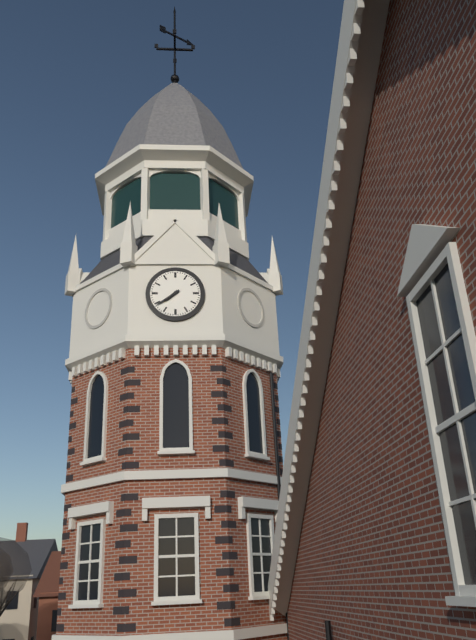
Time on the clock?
7:39
